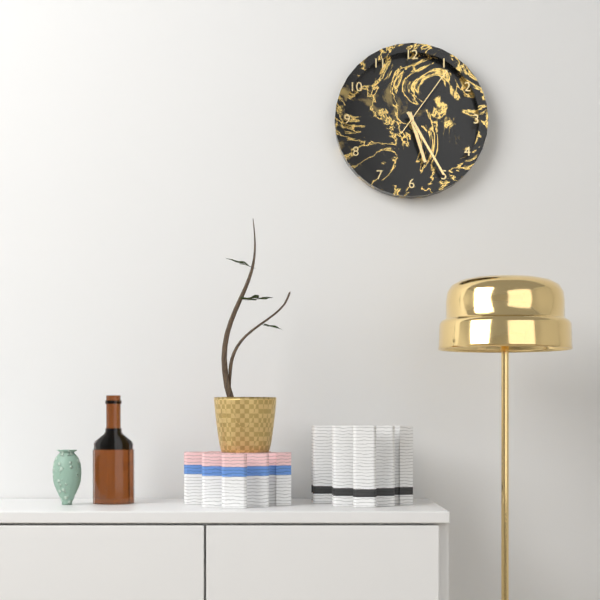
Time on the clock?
5:25:06
